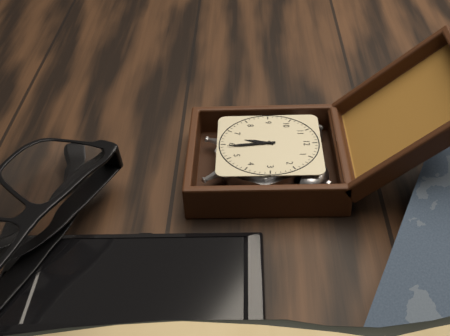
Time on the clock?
6:29
